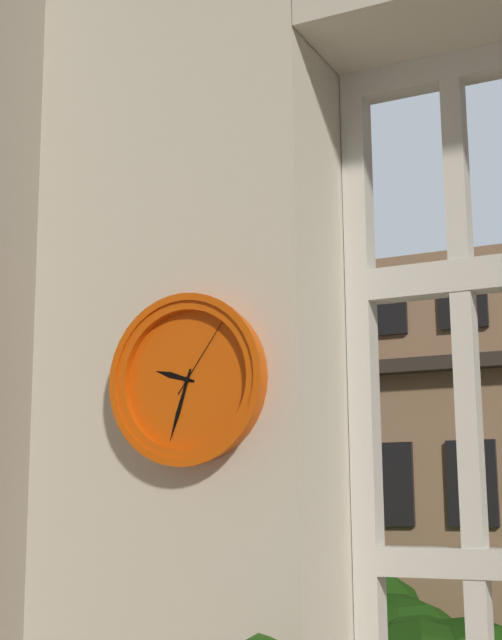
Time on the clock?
9:33:06
